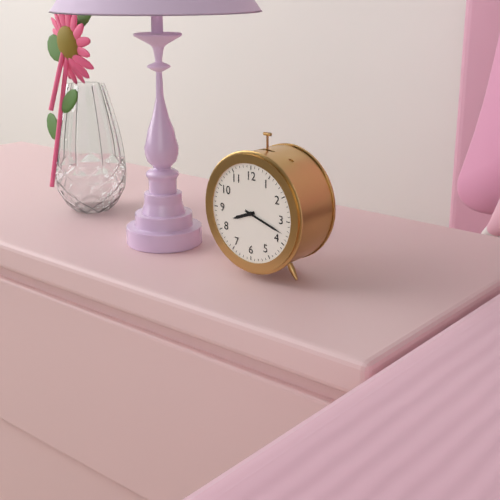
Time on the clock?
8:18
